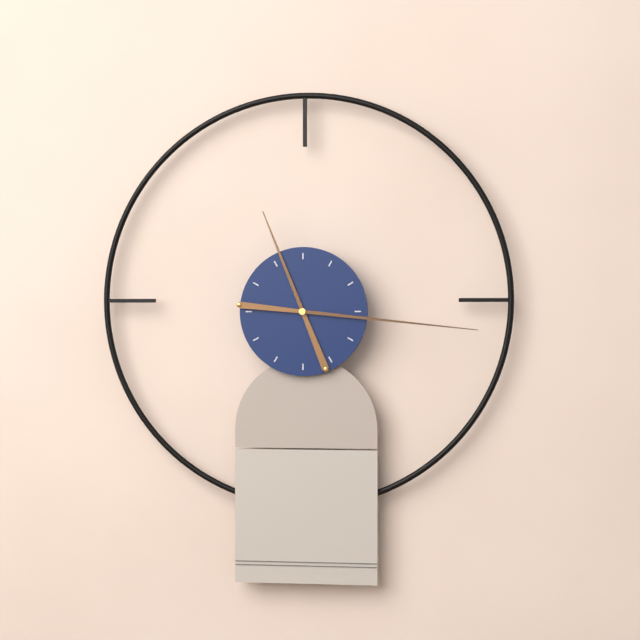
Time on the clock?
11:16
